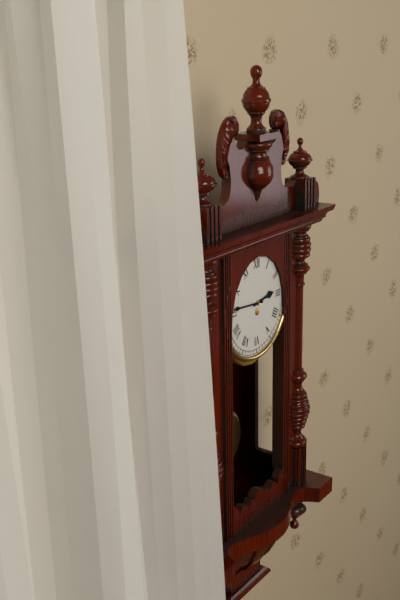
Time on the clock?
2:46
